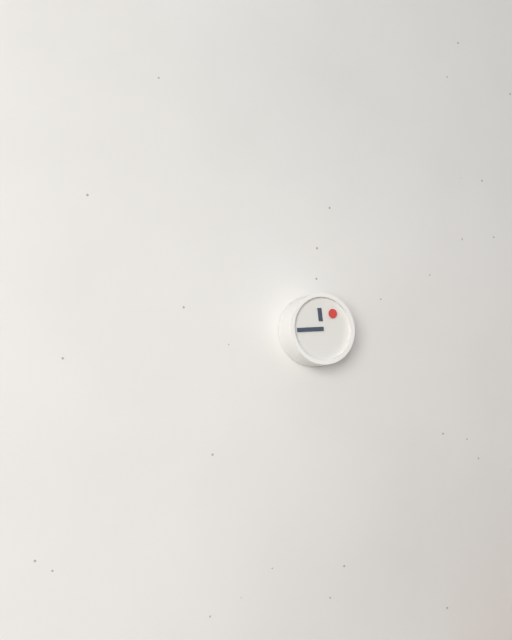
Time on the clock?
11:44
